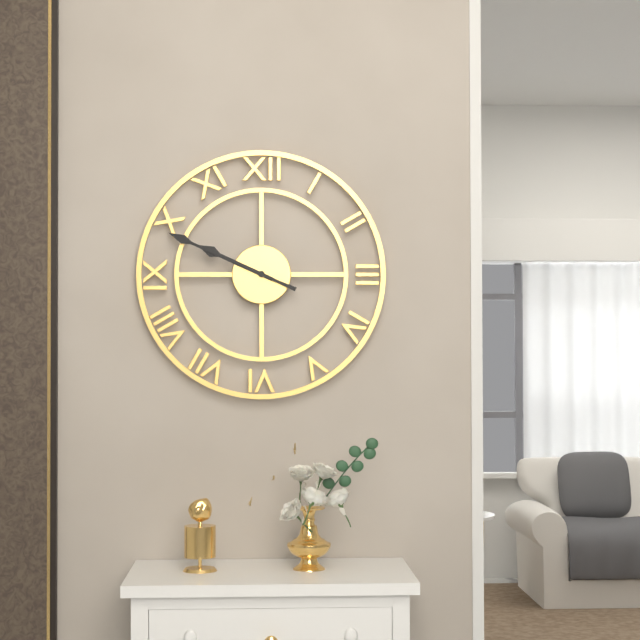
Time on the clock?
9:49
